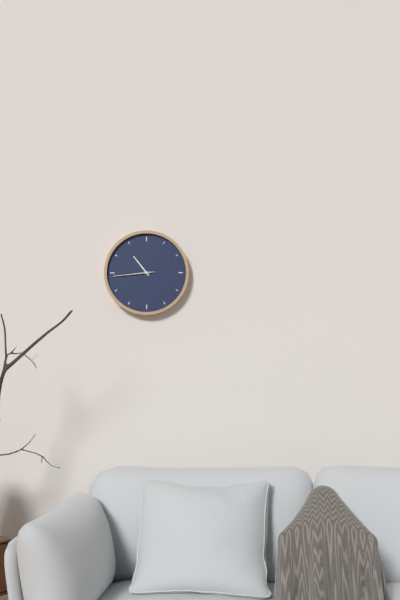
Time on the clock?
10:44
